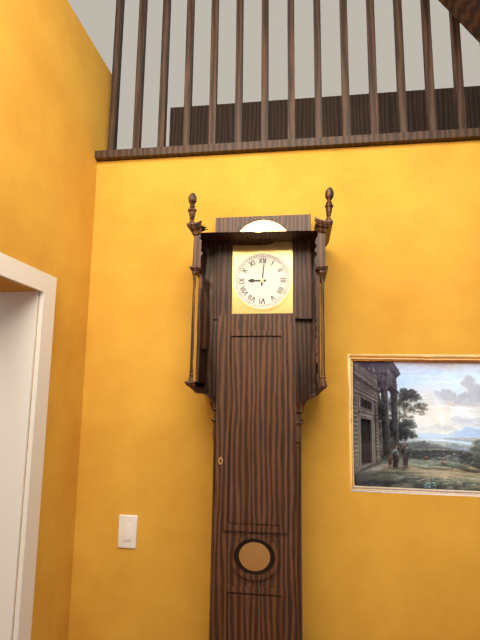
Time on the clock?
9:01
